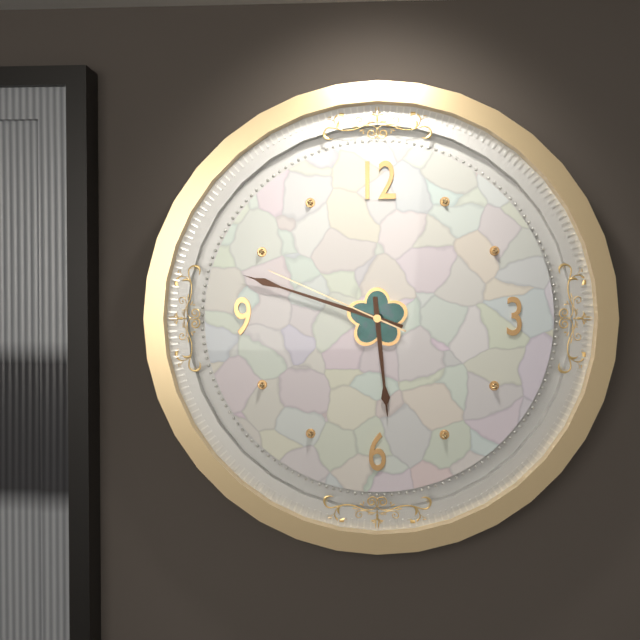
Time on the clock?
5:48:49
